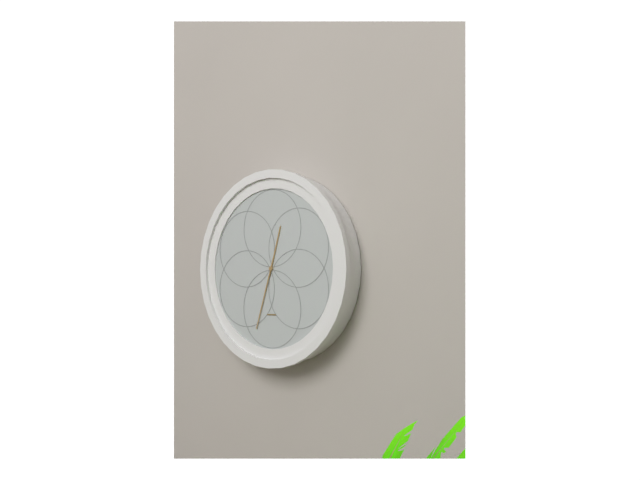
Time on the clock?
12:33
